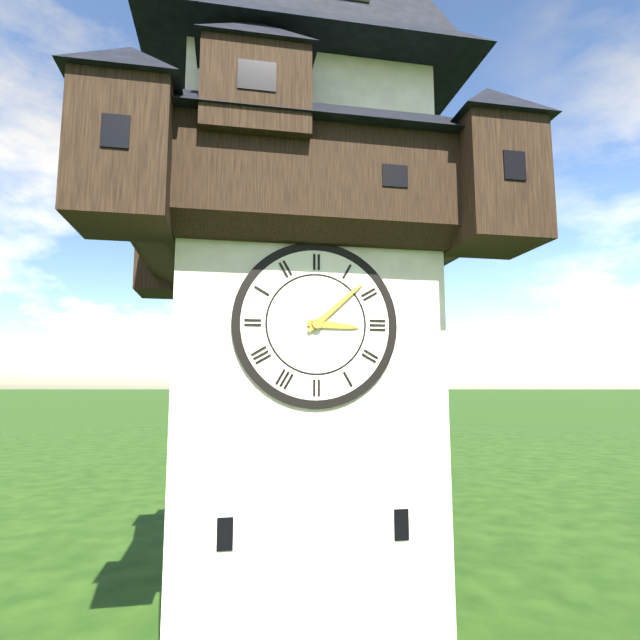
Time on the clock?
3:08
